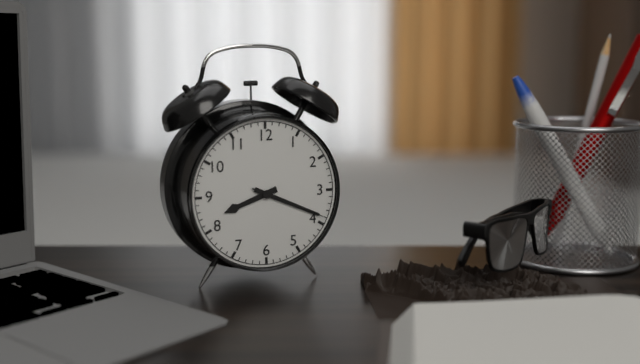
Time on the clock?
8:19:19
